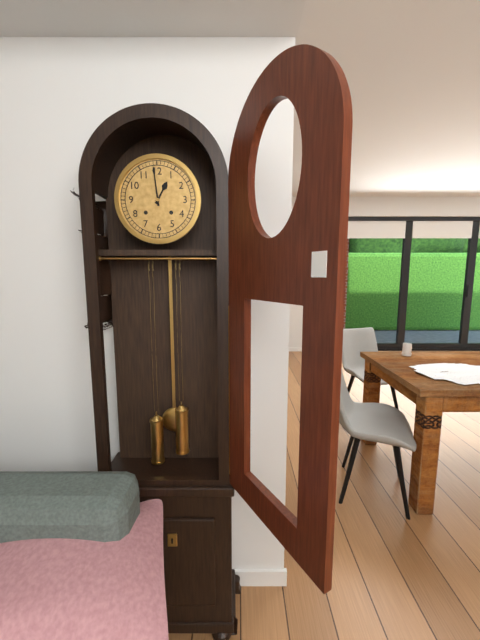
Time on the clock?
12:59
